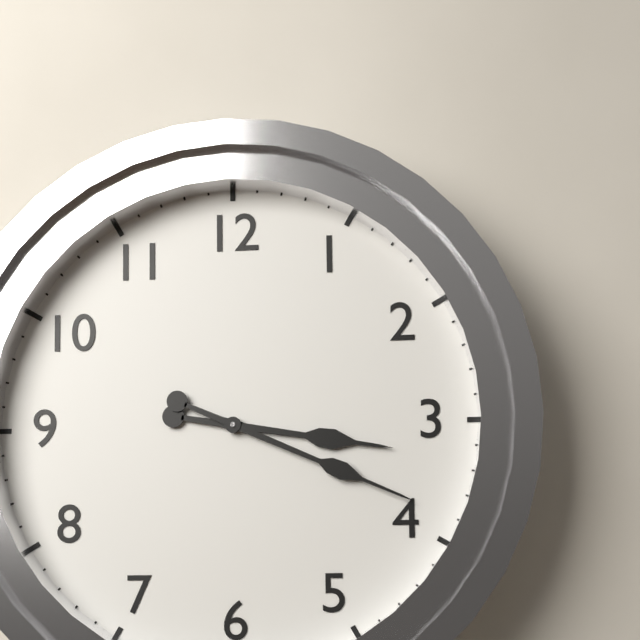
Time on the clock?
3:19
